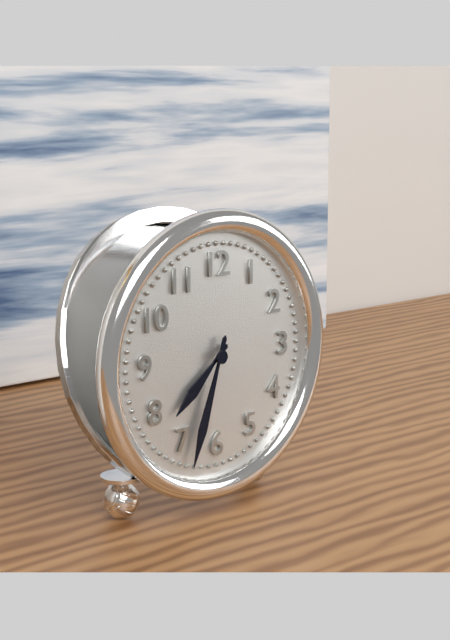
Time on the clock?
7:33
